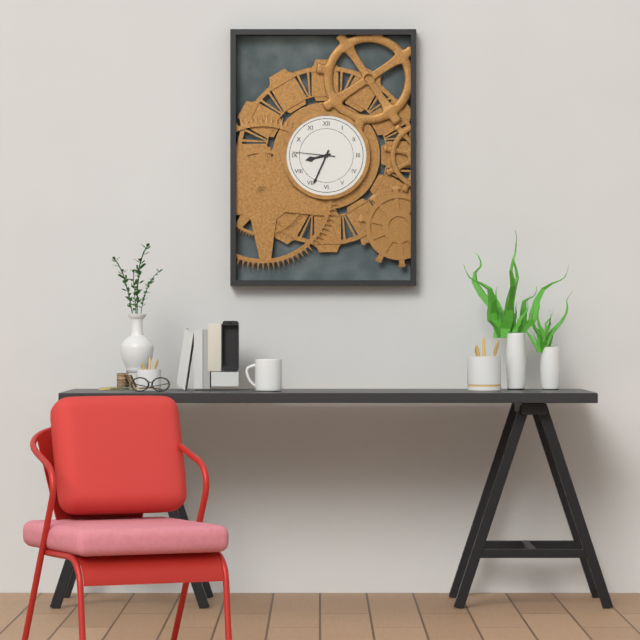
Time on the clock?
8:34
